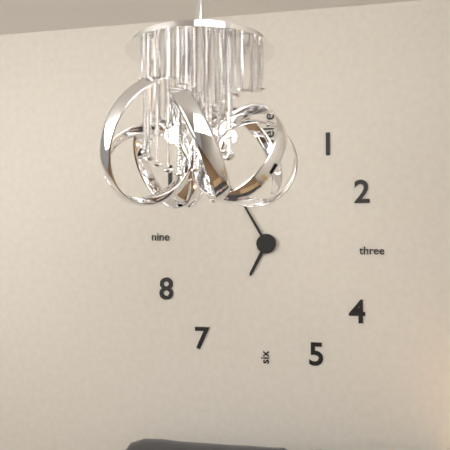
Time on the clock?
6:55
